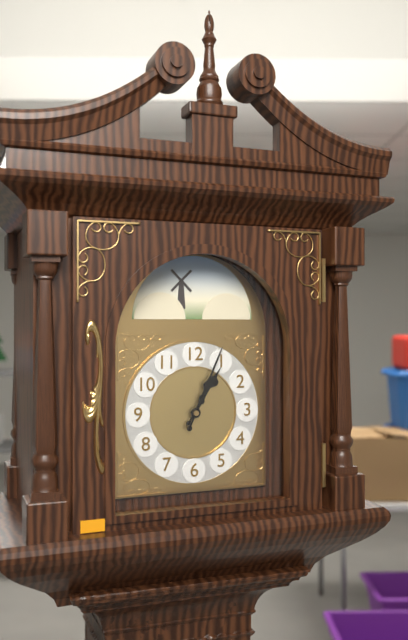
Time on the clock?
1:04
